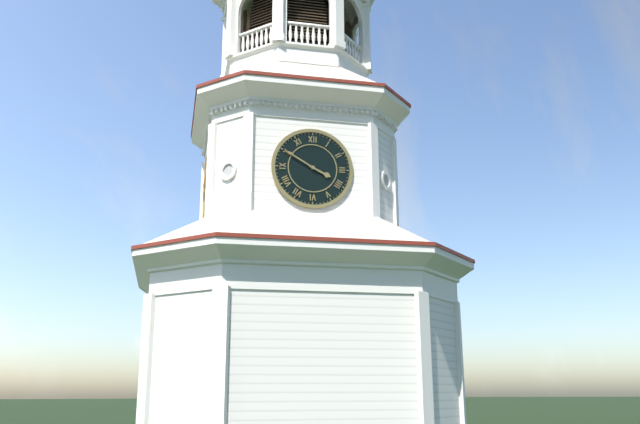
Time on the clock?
3:50
